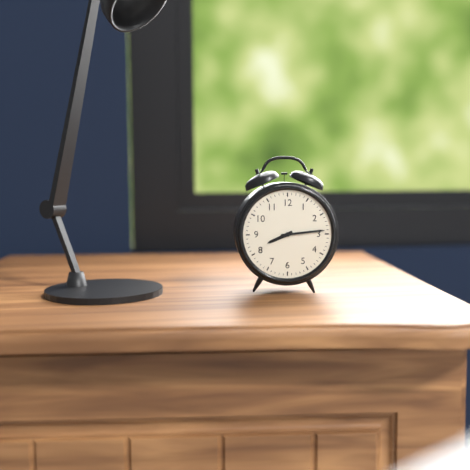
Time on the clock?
8:14
